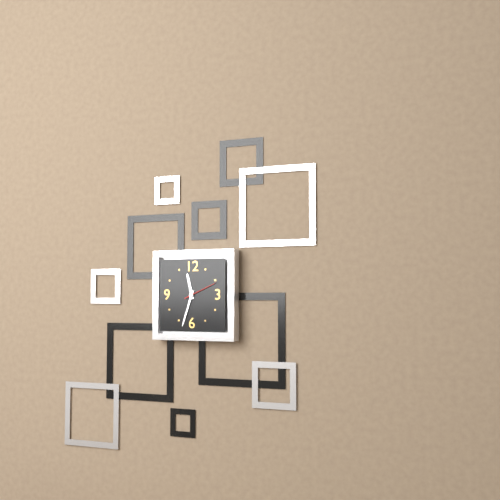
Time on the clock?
11:33
